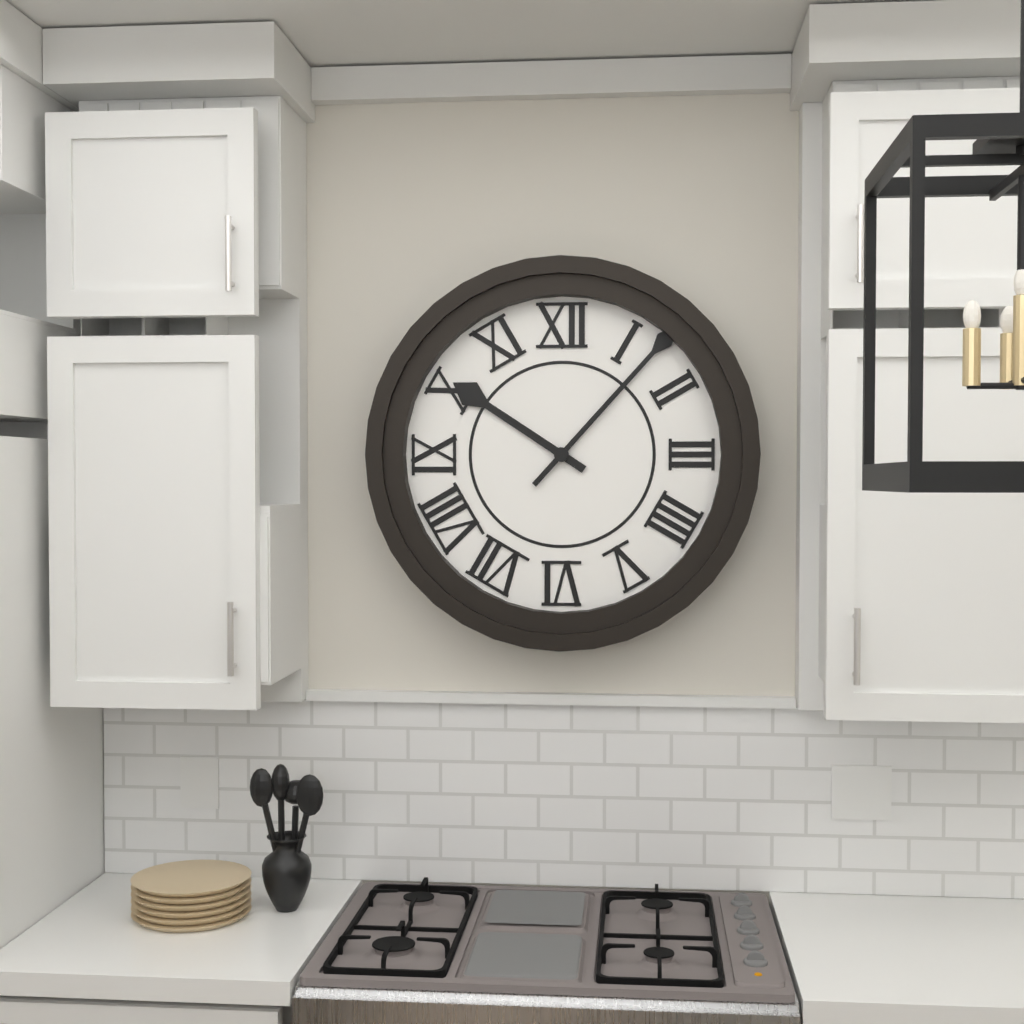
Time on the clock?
10:07
